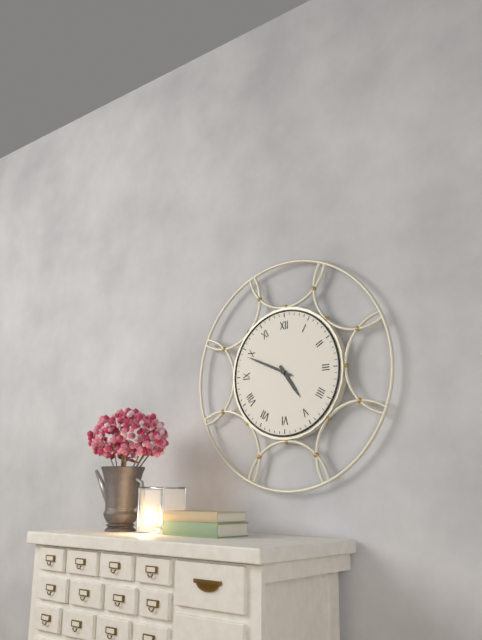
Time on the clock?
4:49
